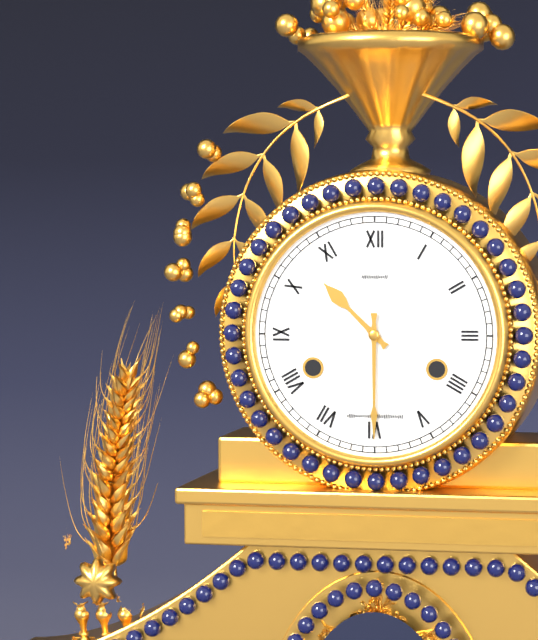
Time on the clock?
10:30
